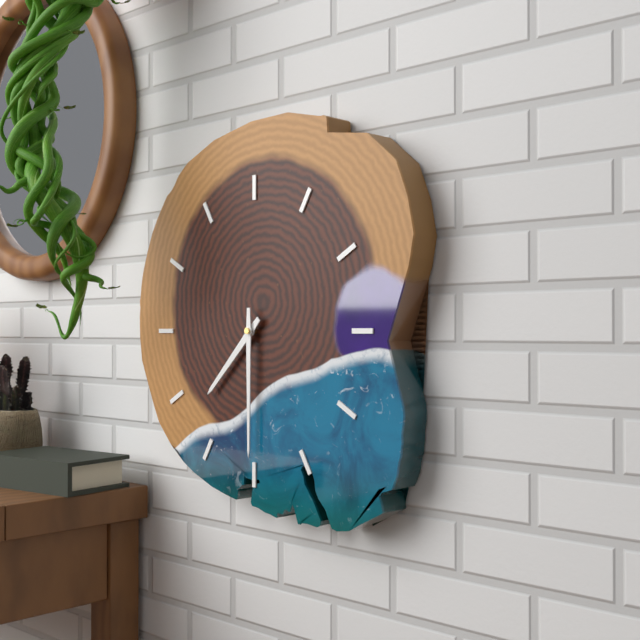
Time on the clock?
7:30
